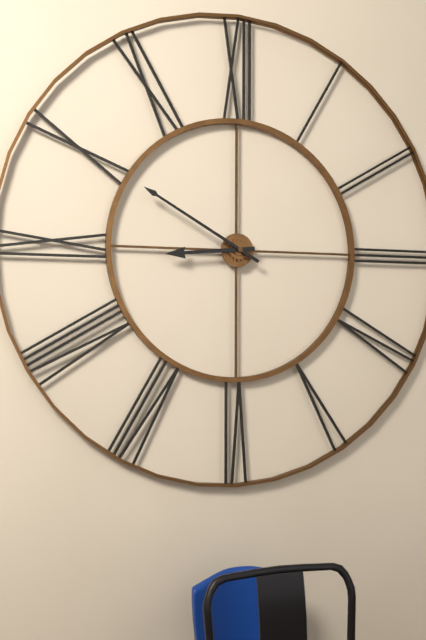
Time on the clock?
8:50
